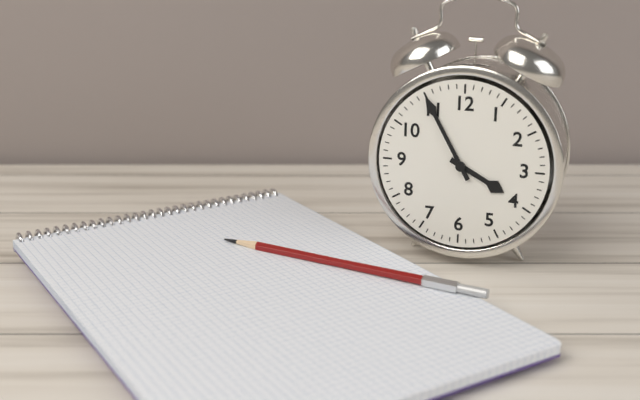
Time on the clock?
3:55
